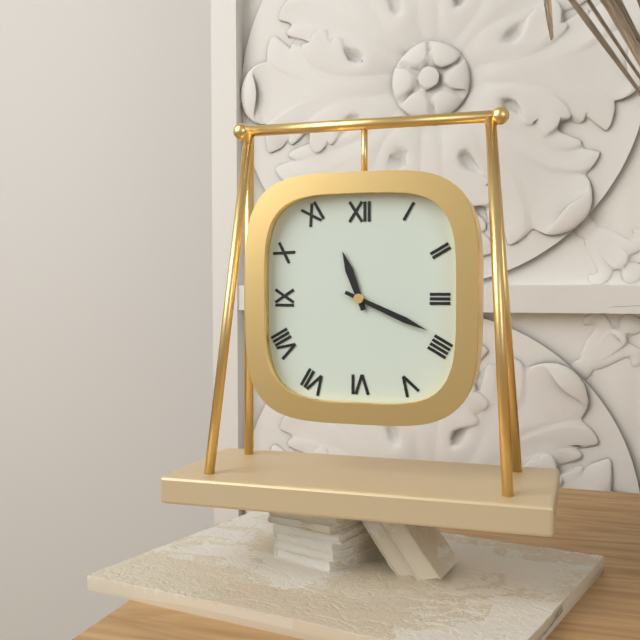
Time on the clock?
11:19
